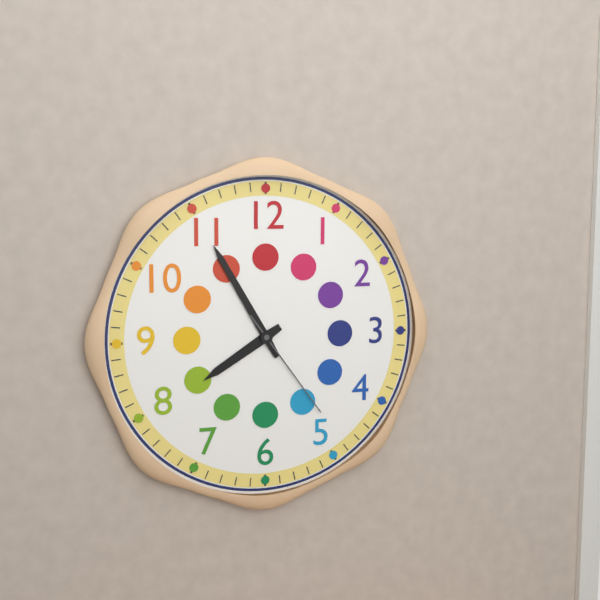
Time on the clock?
7:55:24
